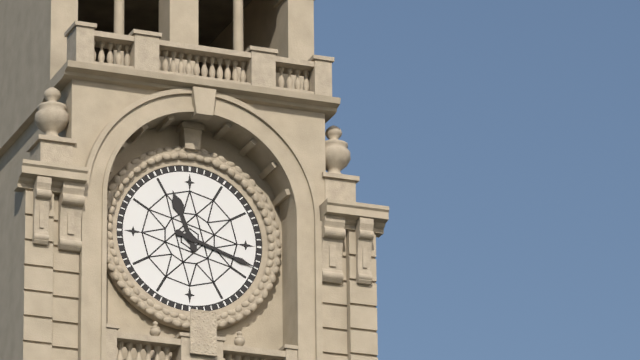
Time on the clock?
11:18
